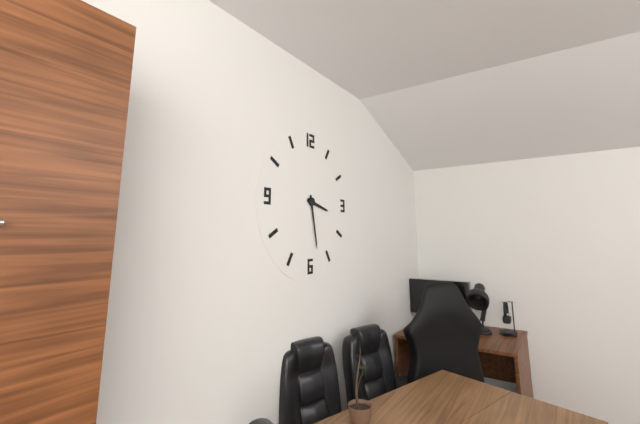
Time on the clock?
3:28
